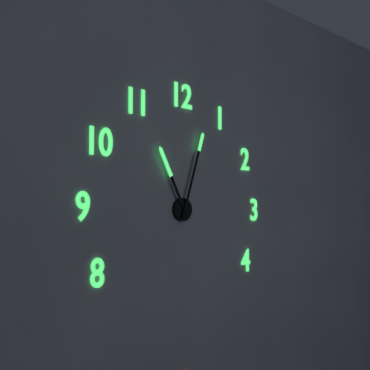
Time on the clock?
11:03
